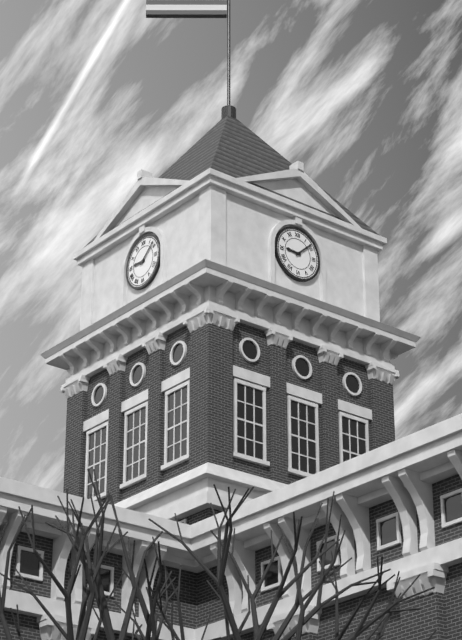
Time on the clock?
9:08
